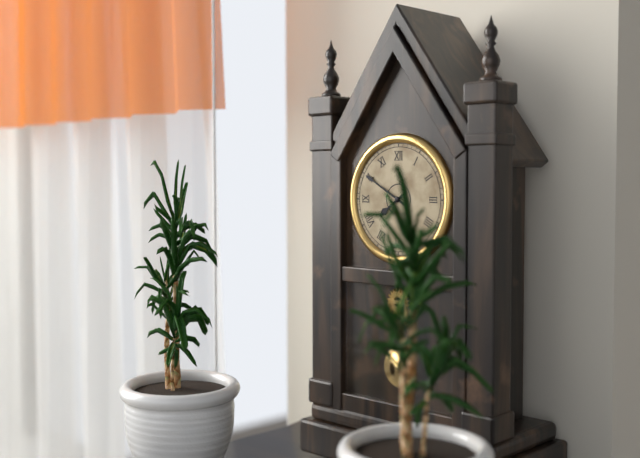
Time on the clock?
7:50
